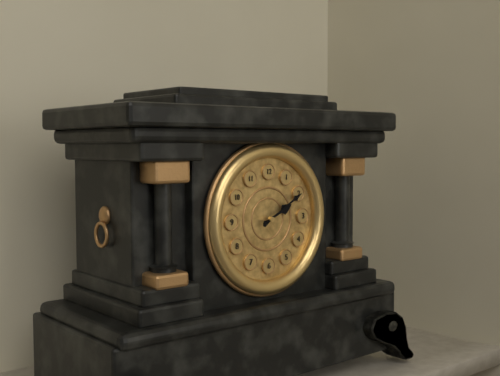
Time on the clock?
2:10
